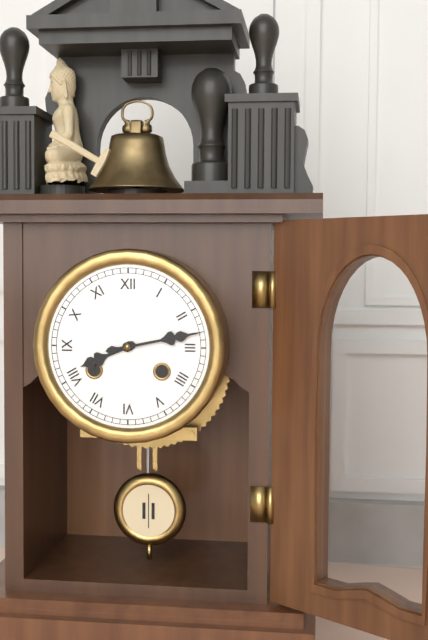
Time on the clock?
8:13
